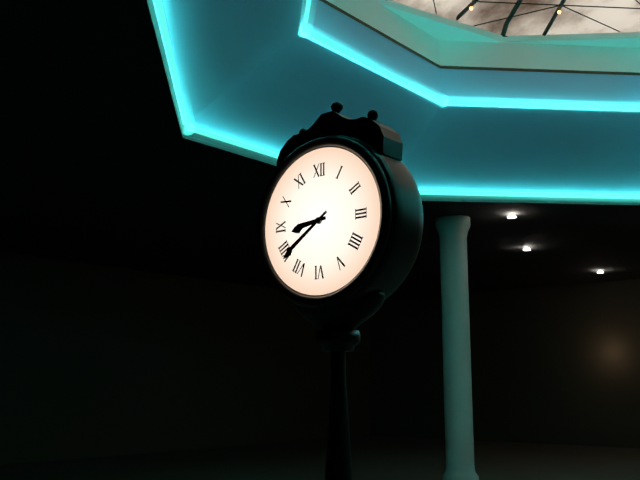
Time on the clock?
8:39
